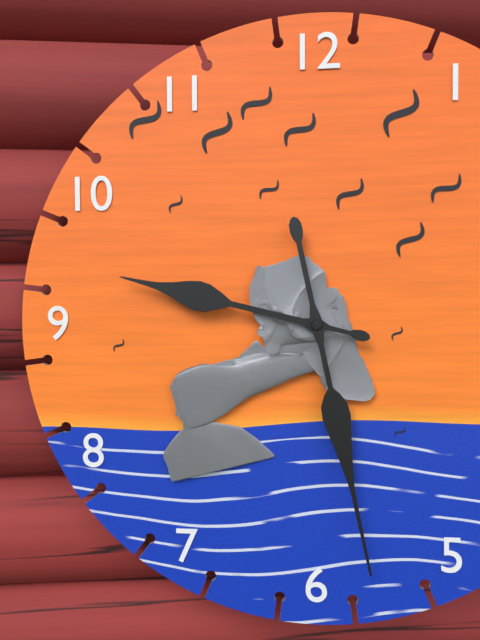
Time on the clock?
9:28
